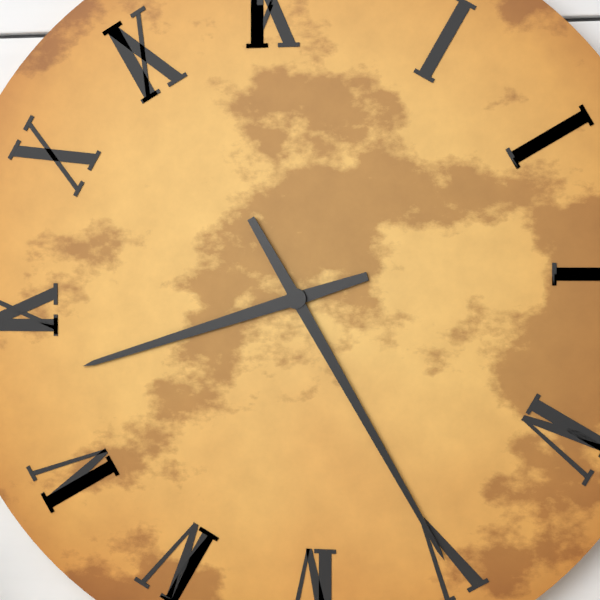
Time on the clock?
8:25
